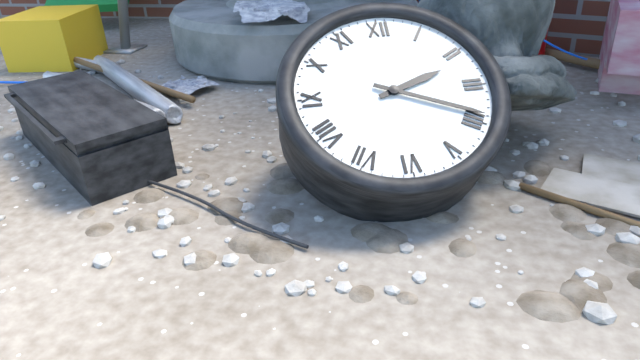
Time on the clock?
2:19
